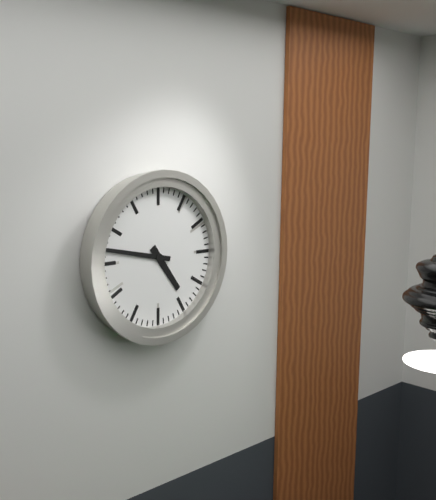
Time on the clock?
4:47
